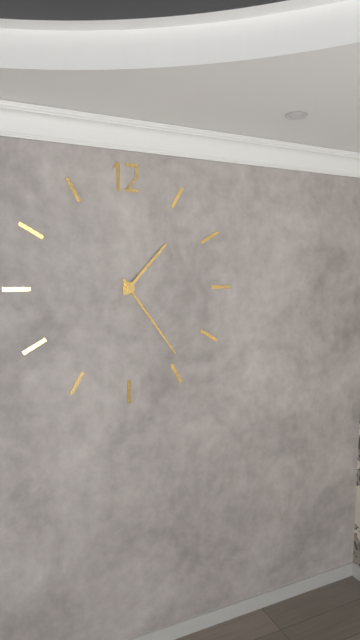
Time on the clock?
1:24
